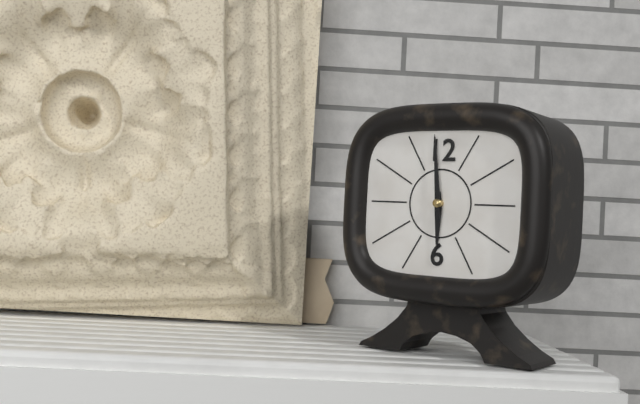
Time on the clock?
5:59
